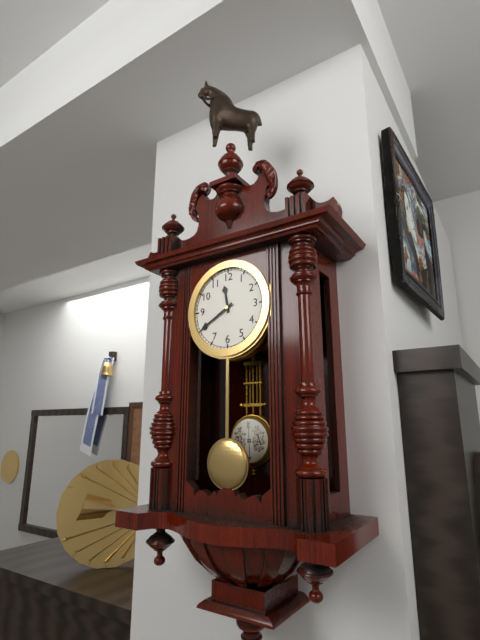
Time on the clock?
11:40
